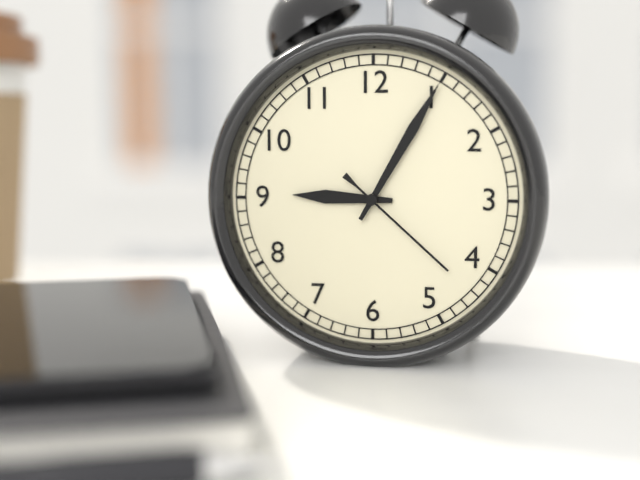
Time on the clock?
9:05:22
